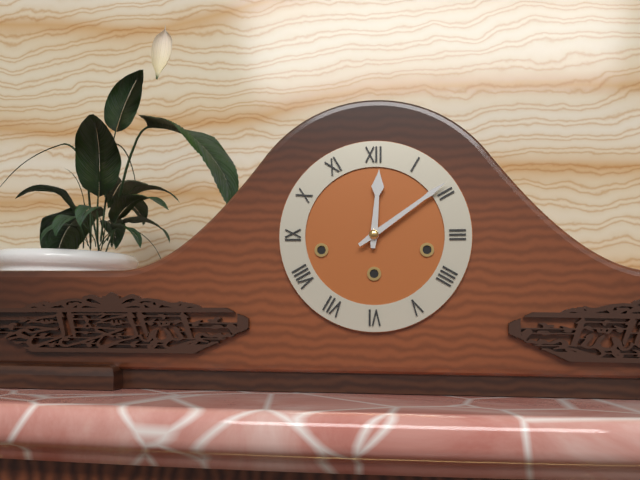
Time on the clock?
12:09
